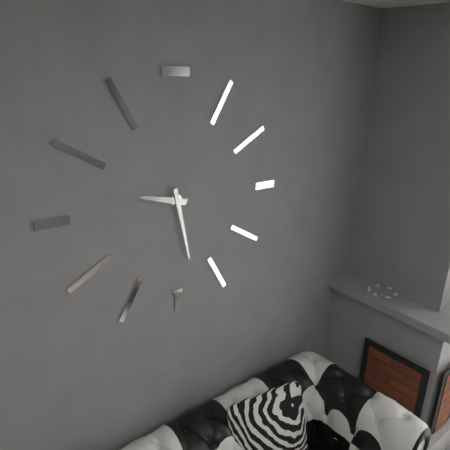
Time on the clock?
9:28
